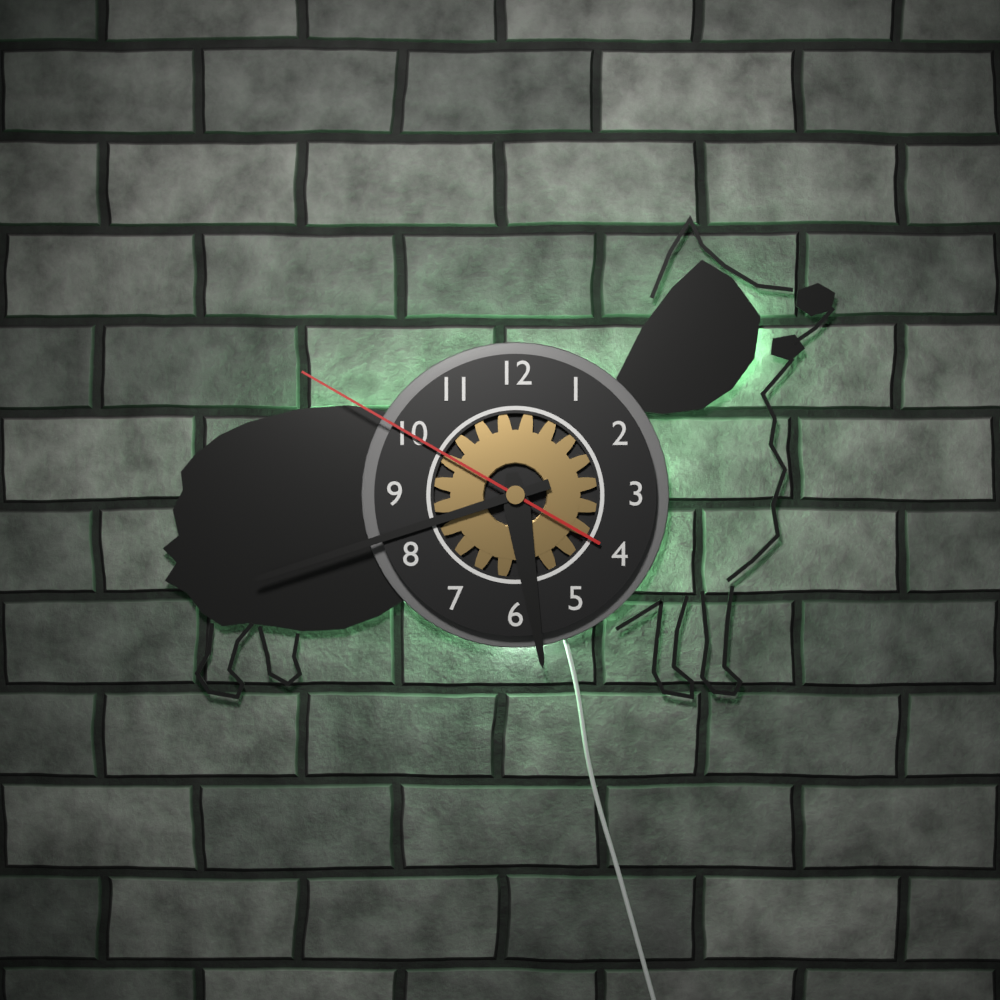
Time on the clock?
5:42:50
